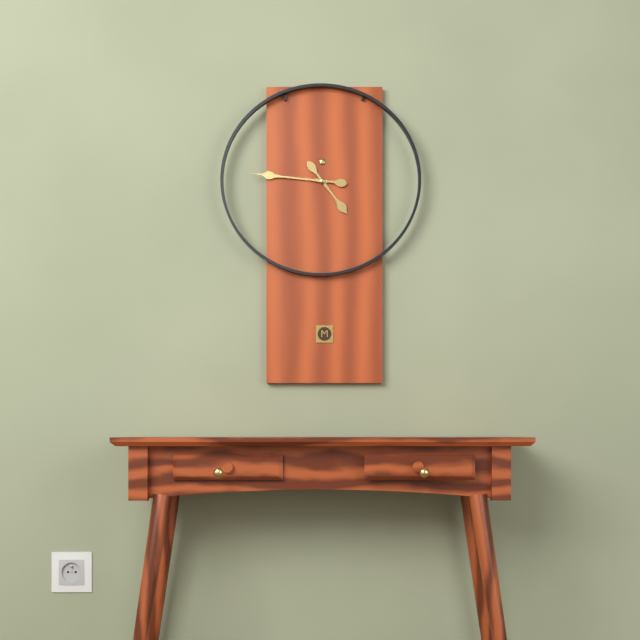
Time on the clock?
4:46
